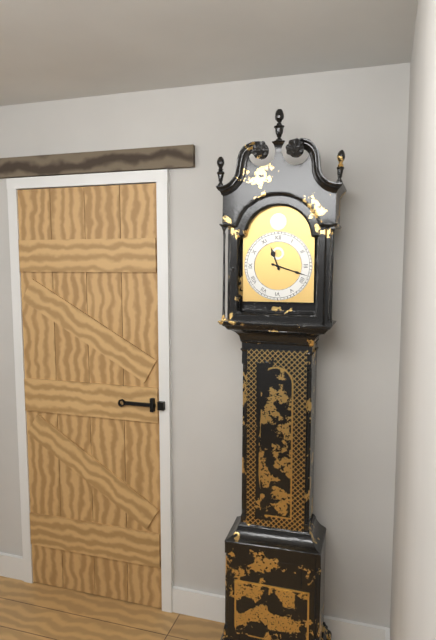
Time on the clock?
11:18
